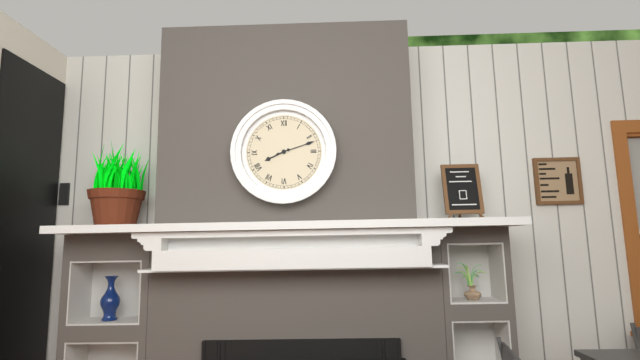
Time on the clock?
8:12
